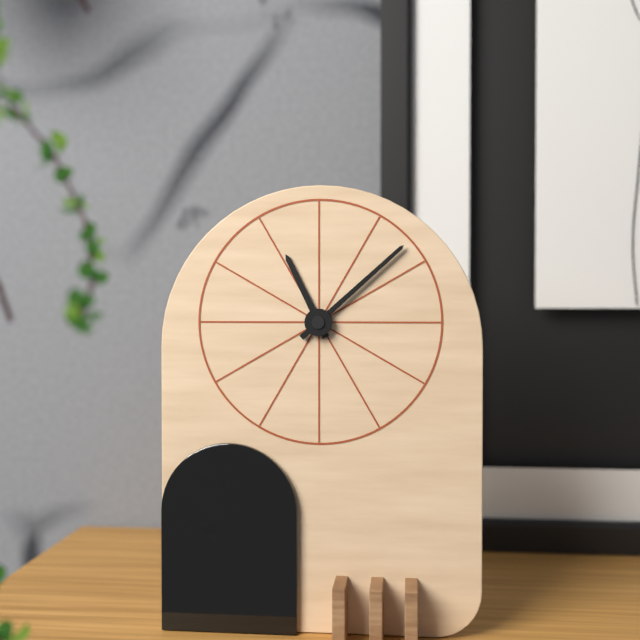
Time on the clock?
11:08
